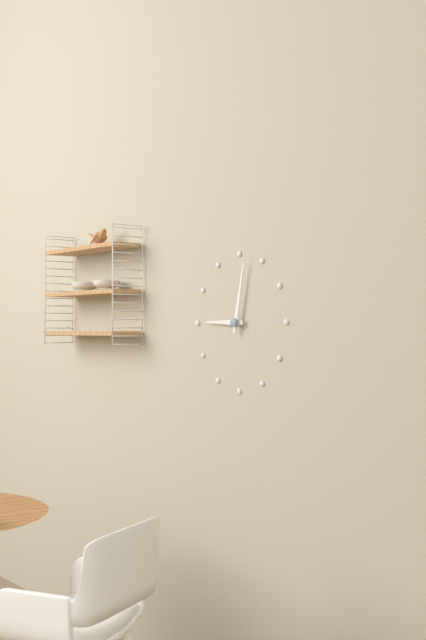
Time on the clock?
9:02
